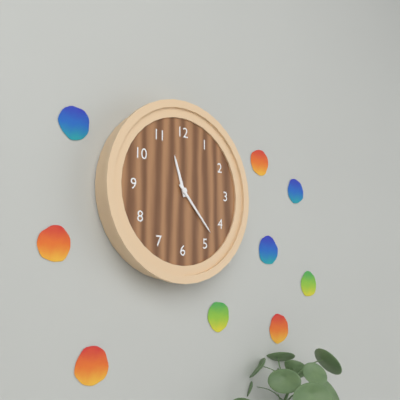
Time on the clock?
11:23
